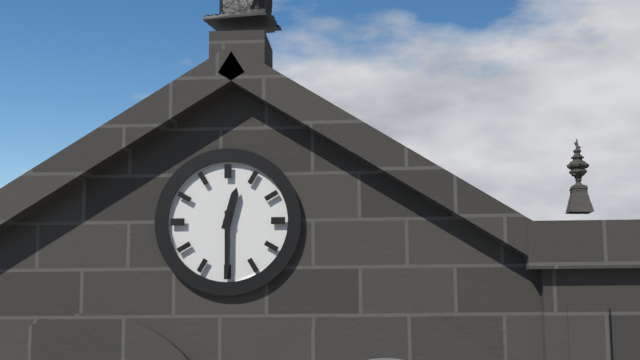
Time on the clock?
12:30
